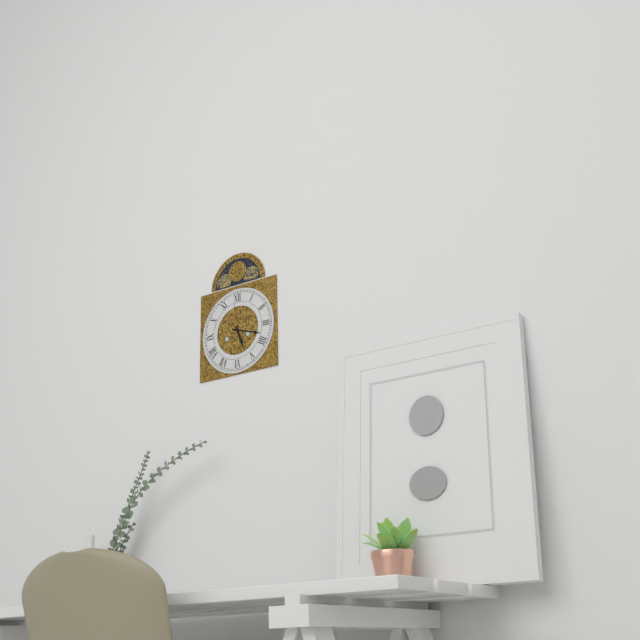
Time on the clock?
5:18
